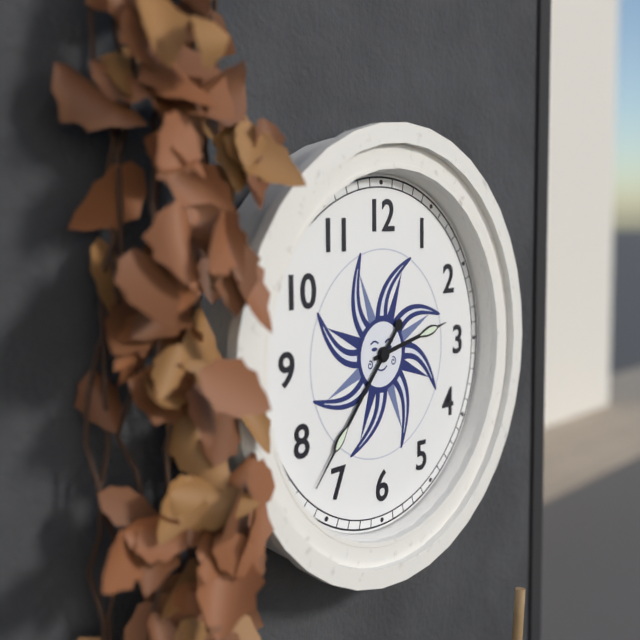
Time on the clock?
2:37
